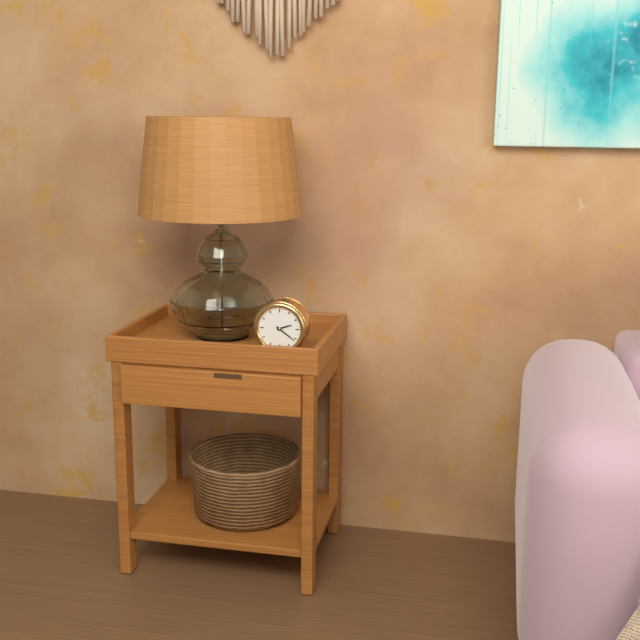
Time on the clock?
2:21
